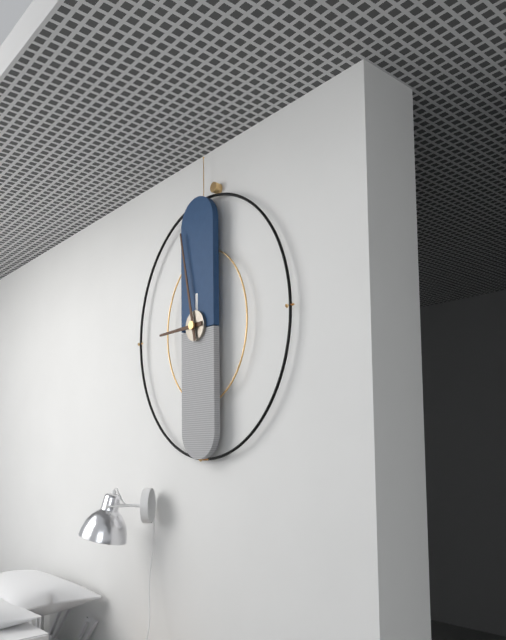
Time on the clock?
8:58
